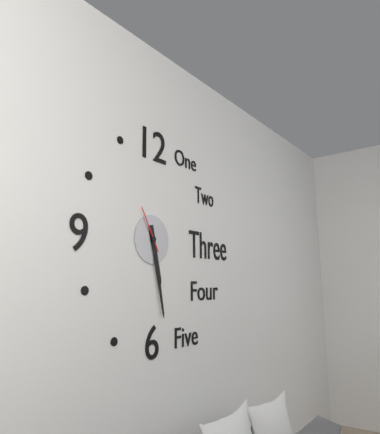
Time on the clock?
5:28
